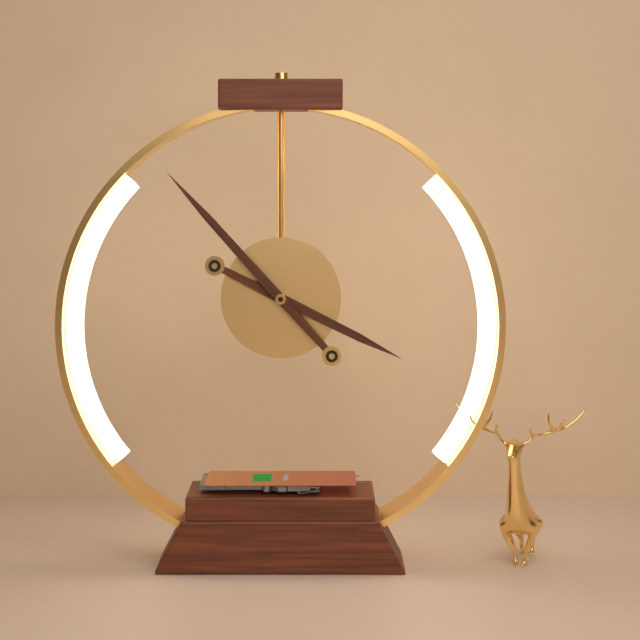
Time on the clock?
3:53
